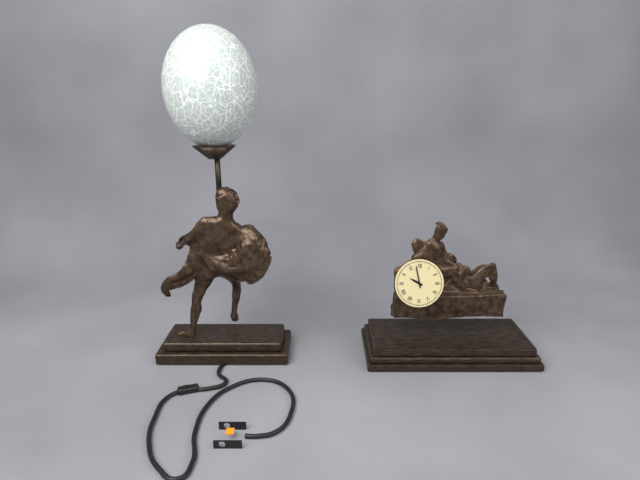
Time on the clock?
9:58
